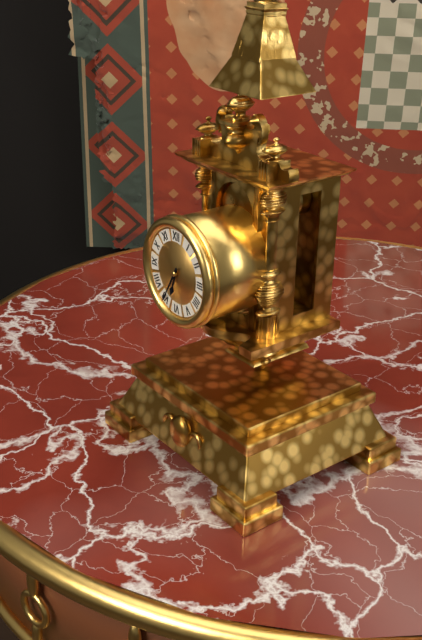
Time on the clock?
6:35
